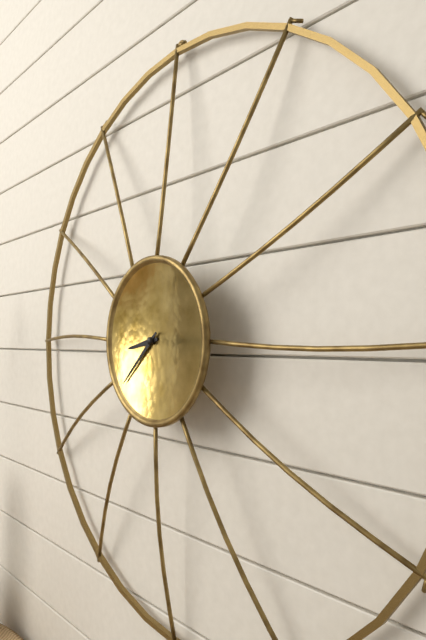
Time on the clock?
8:38
